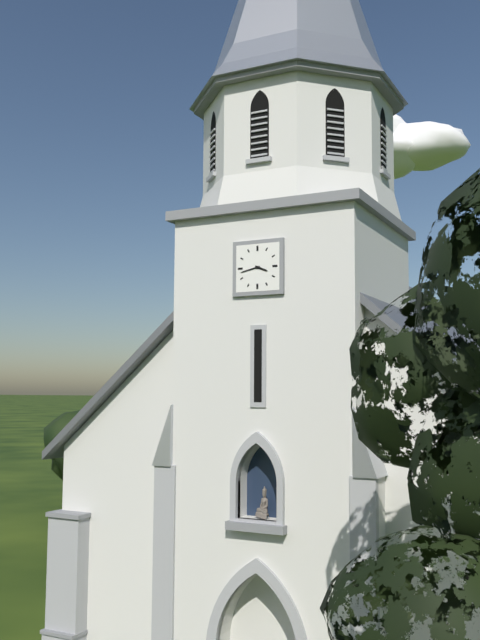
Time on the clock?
3:43
